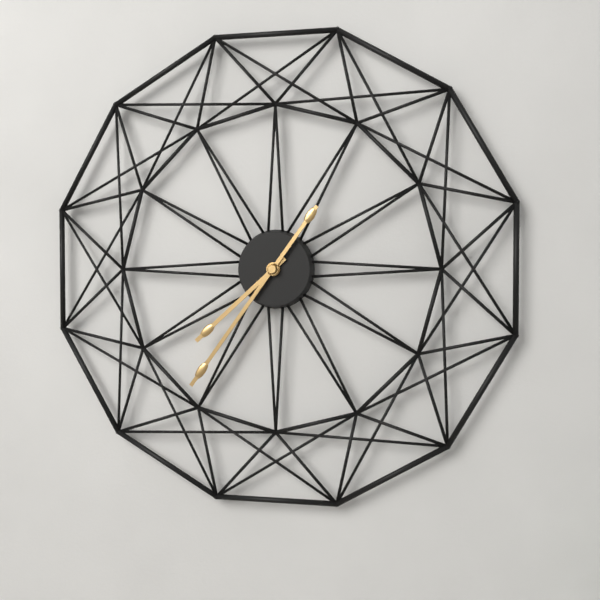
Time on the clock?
7:36
